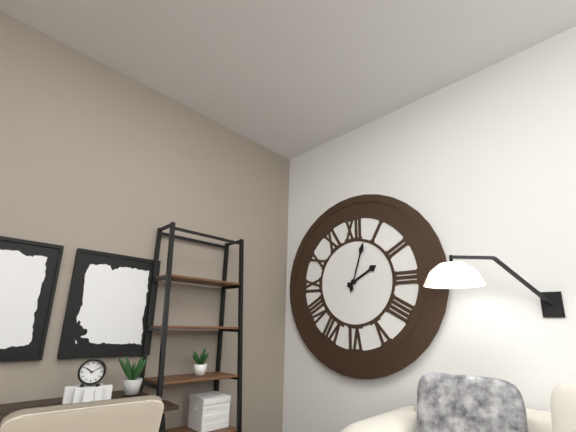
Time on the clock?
2:03
